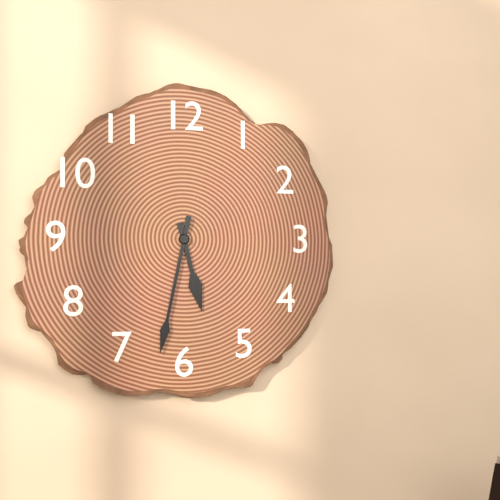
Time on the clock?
5:32
